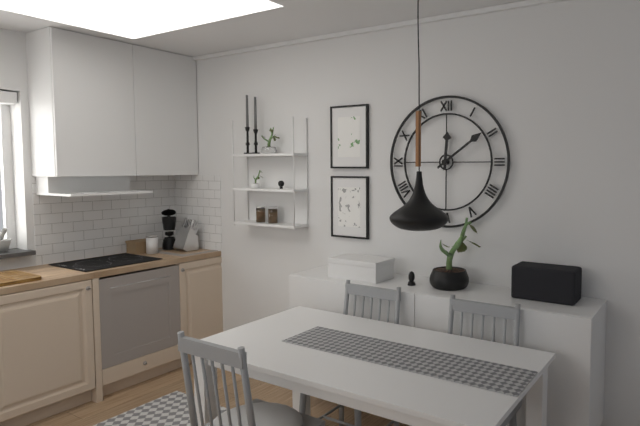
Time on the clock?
12:09
